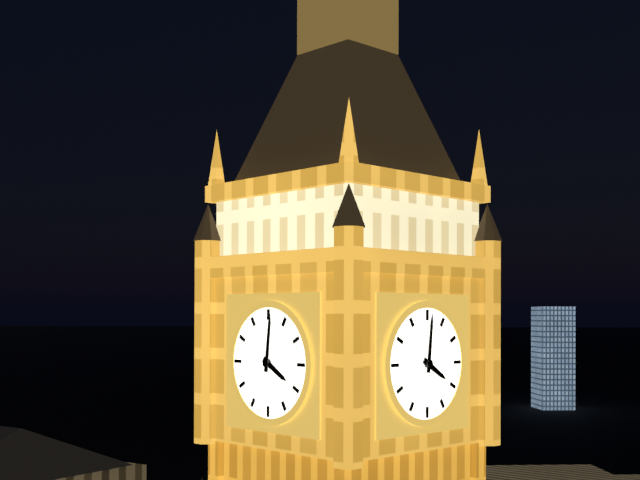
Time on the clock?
4:01
